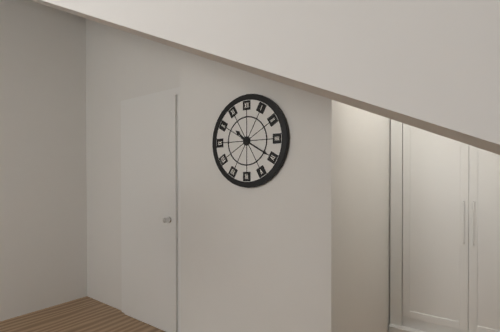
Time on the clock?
10:20
